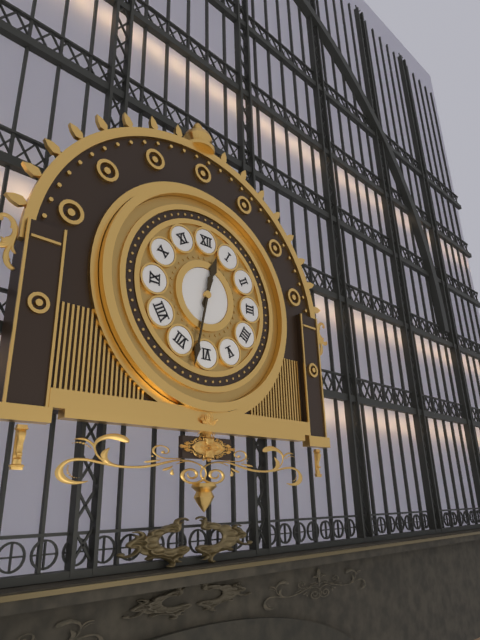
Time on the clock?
12:32
